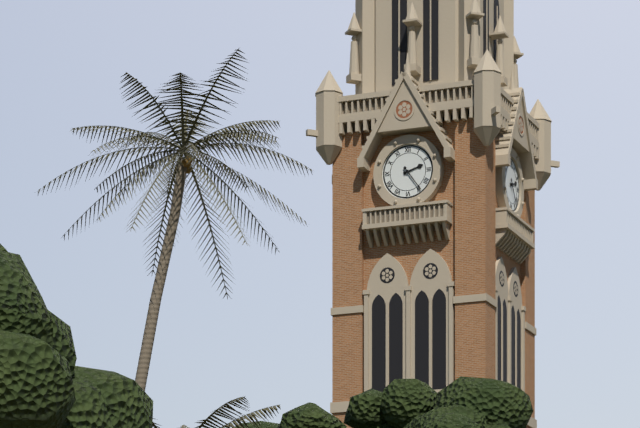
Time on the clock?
2:24
